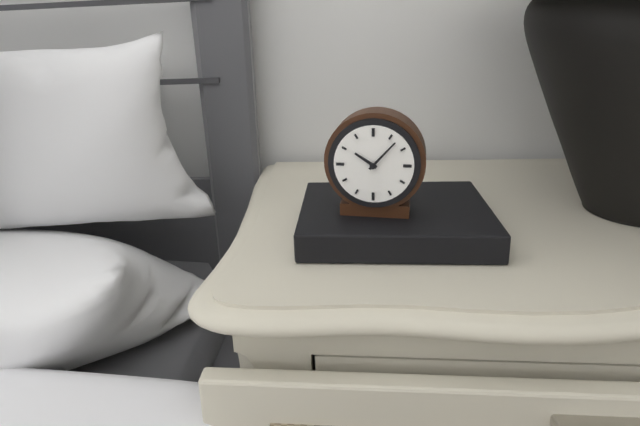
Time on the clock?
10:07
